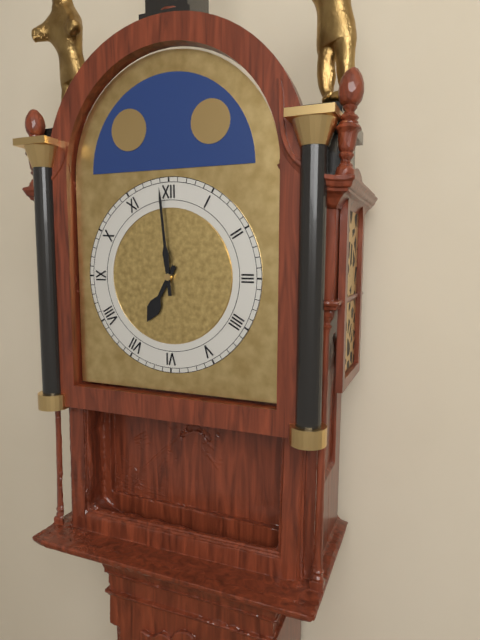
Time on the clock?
6:59
